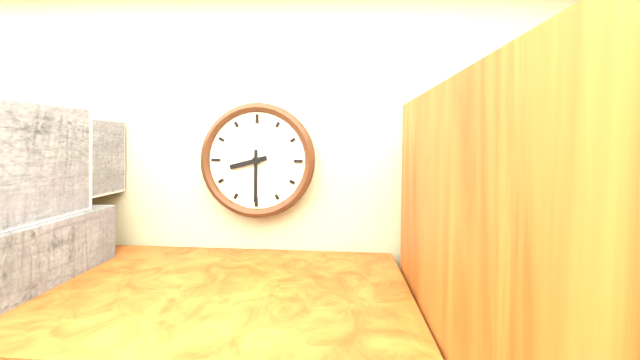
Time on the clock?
8:30
